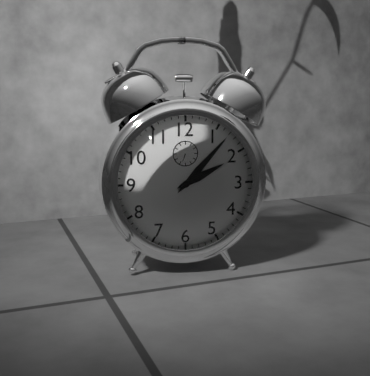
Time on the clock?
2:07
